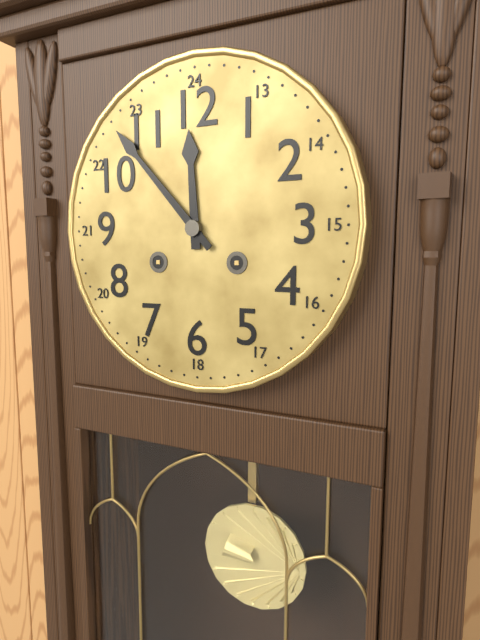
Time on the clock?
11:53
